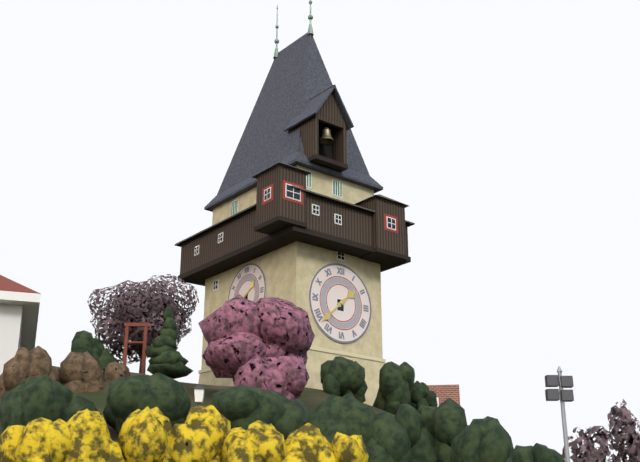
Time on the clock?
1:38
